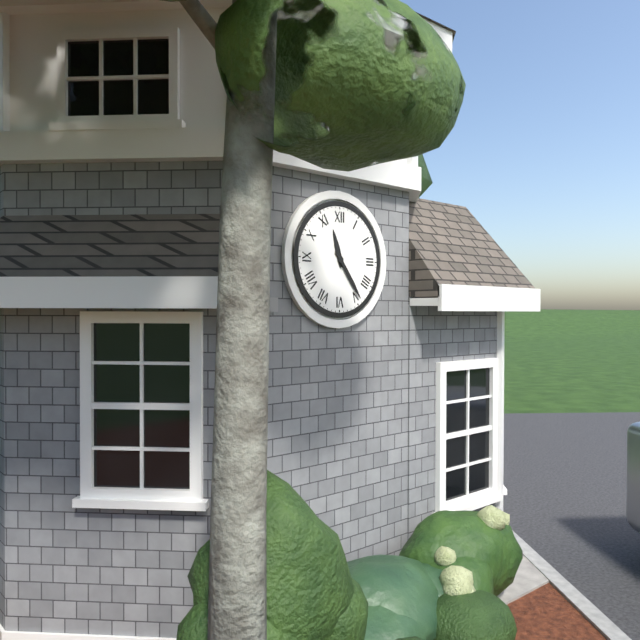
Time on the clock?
11:24
